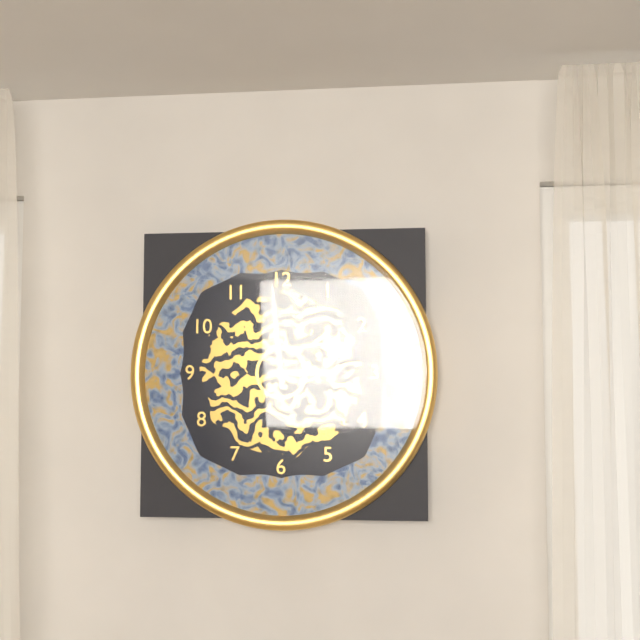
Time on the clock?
2:59
